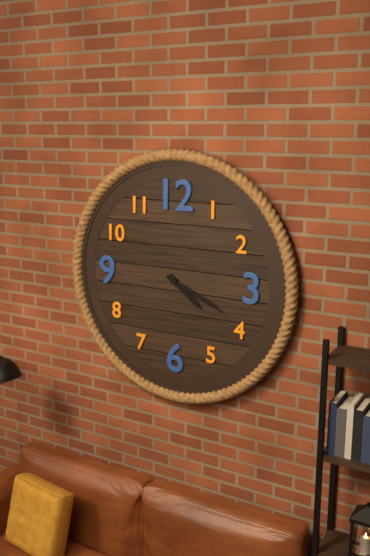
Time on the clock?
4:19
